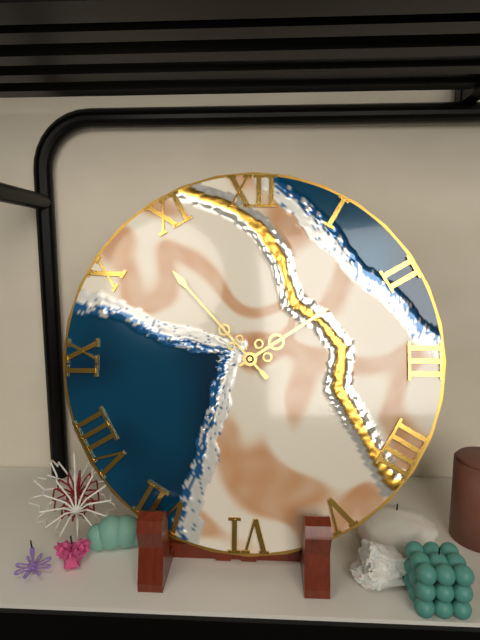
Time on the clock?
1:53
